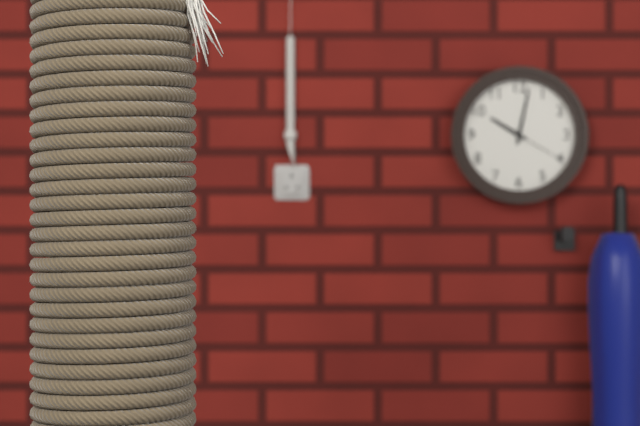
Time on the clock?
10:02:20
